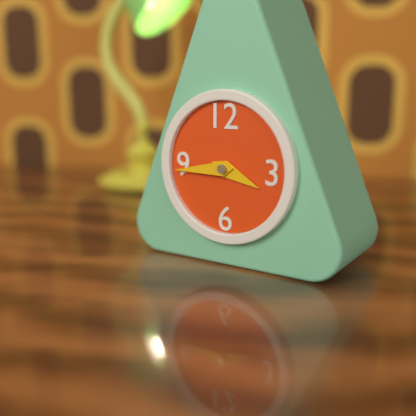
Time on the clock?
3:44
